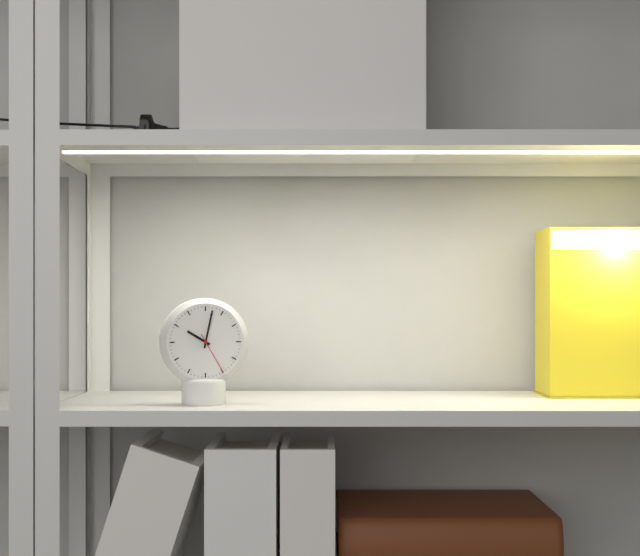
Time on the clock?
10:02
